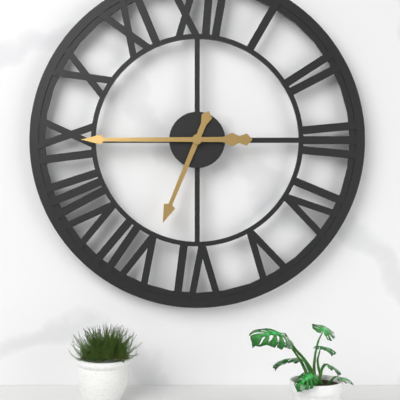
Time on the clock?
6:45
